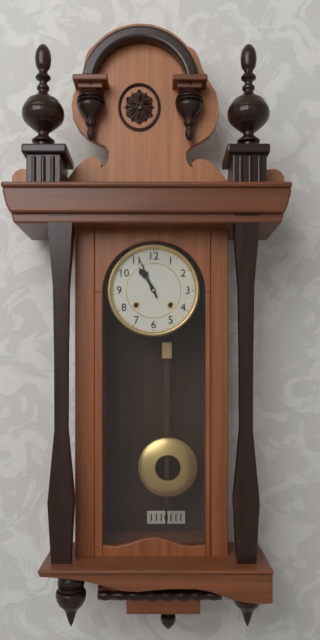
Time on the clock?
10:56
